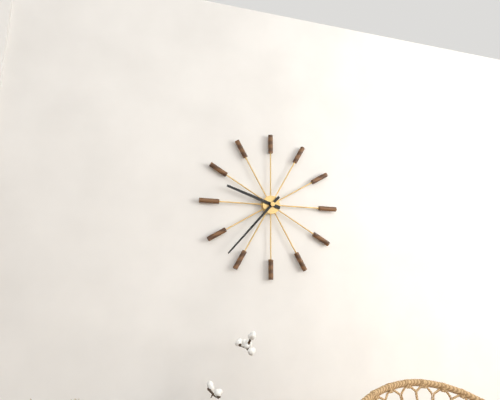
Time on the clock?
9:37
